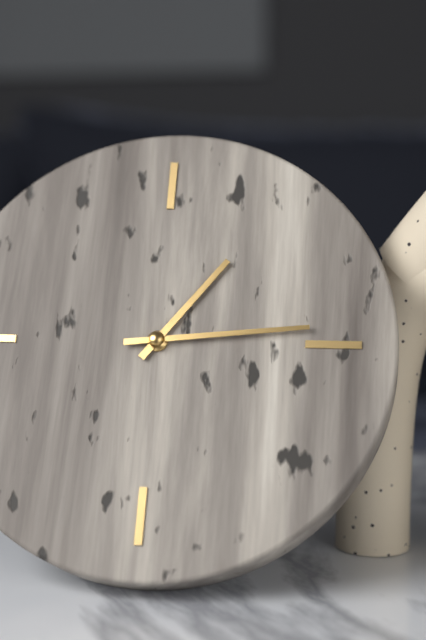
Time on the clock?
1:14
